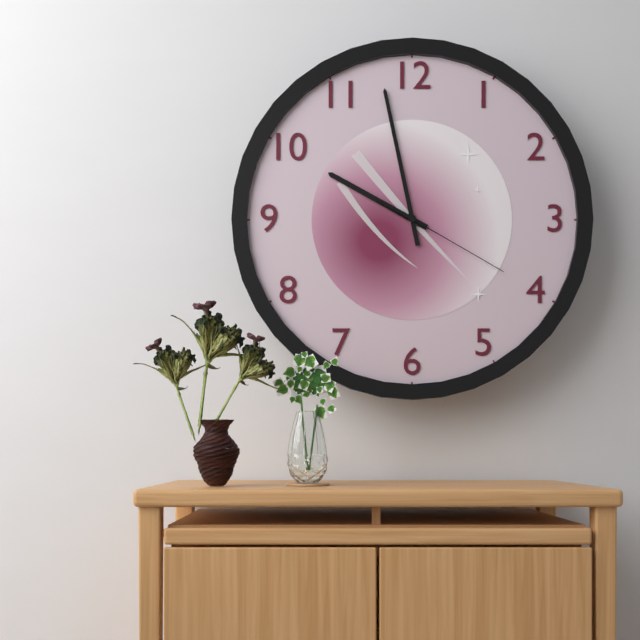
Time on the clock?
9:58:20
